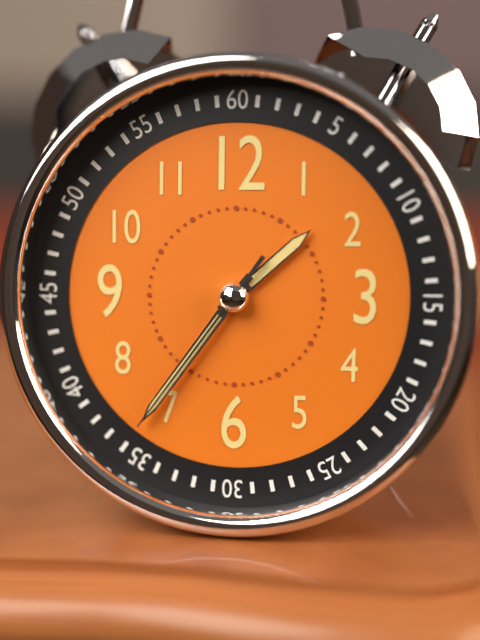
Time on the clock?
1:36:36
